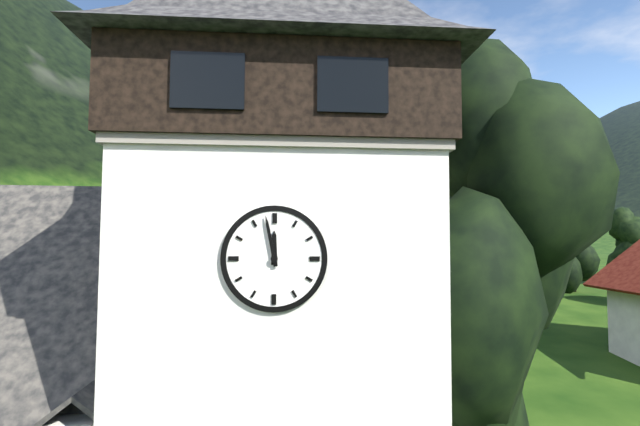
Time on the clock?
11:58
